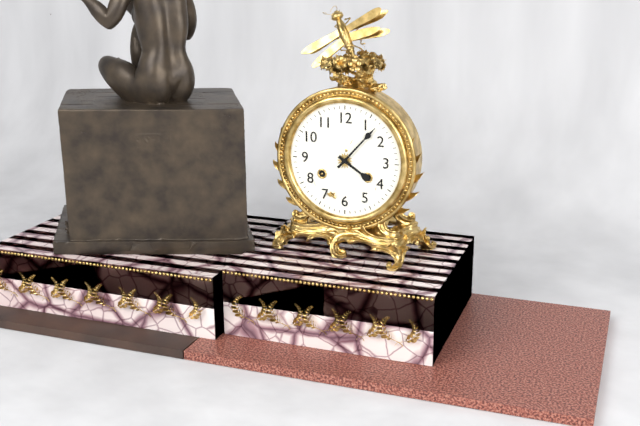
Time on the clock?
4:07
